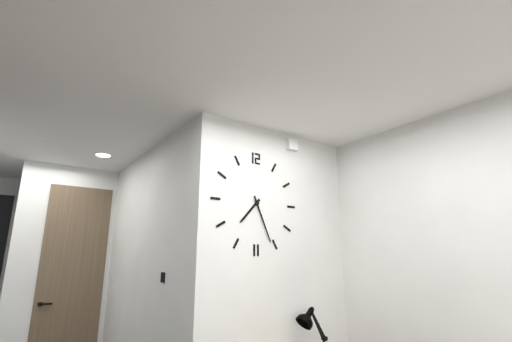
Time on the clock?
7:26
